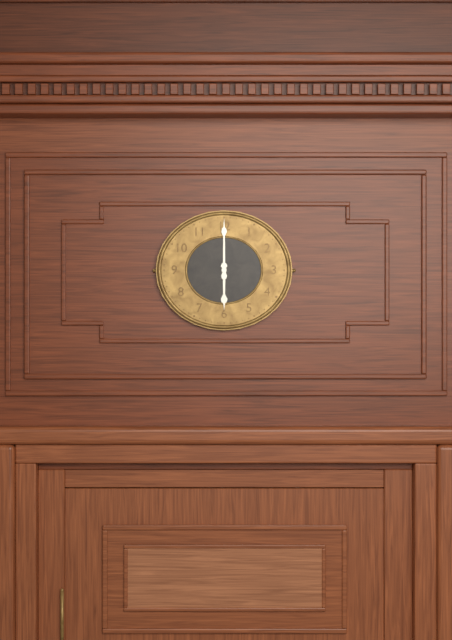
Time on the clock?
6:00
